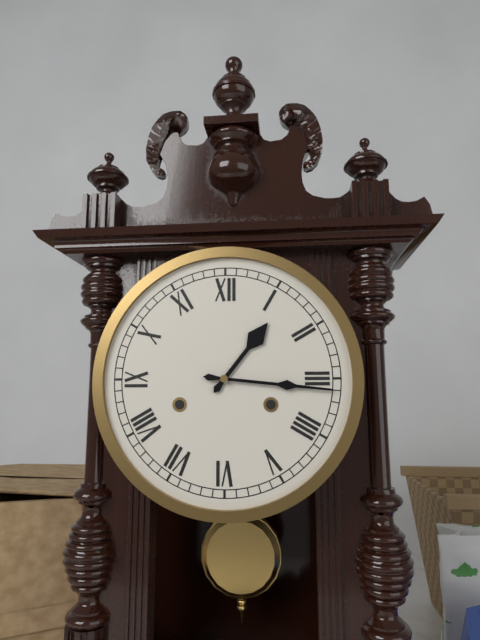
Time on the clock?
1:16
